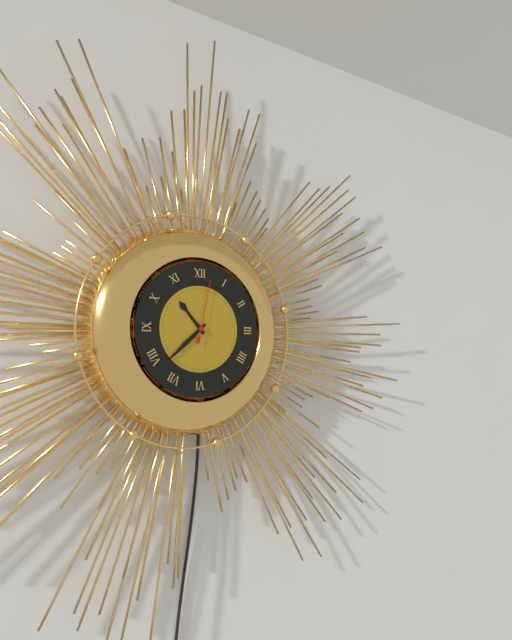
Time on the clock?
10:38:02
